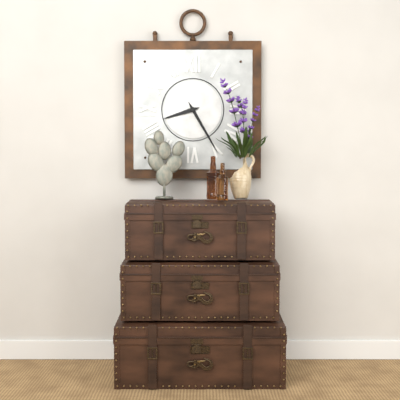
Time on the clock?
8:25
